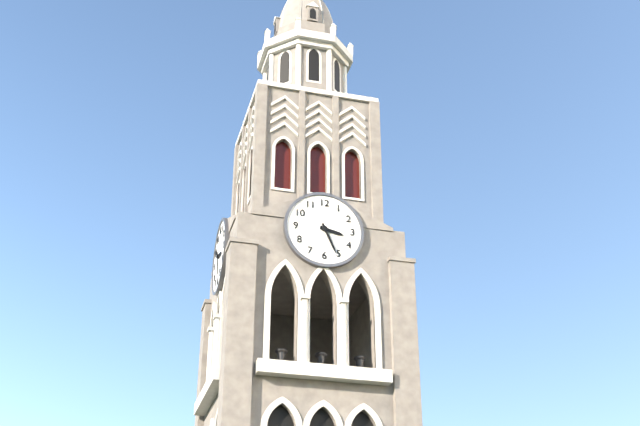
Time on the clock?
3:26
